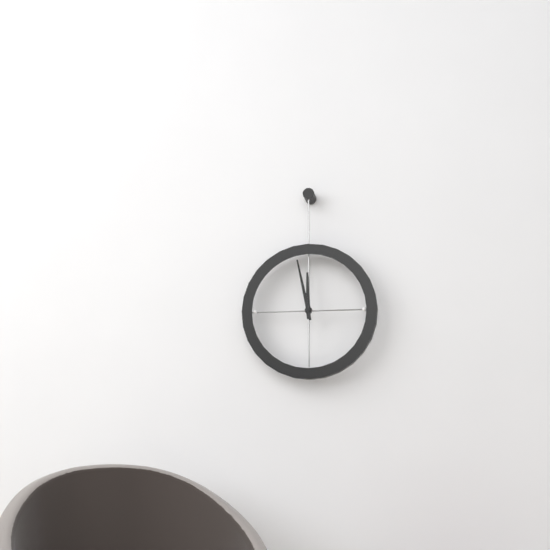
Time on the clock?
11:58
